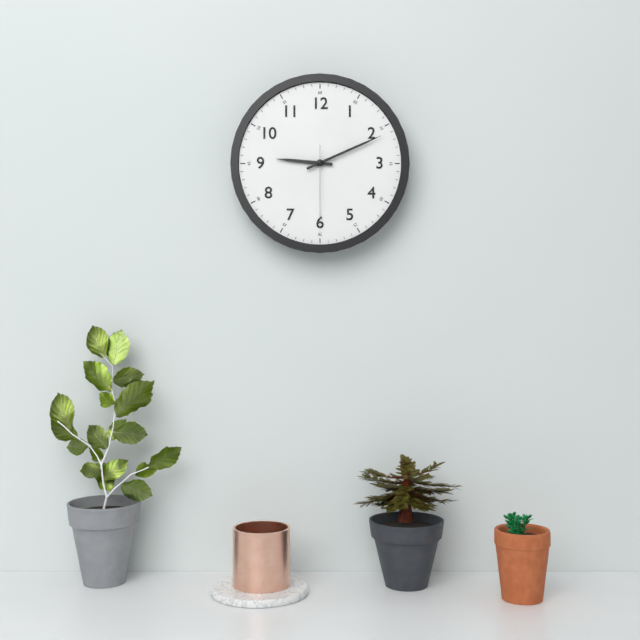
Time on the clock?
9:11:30
